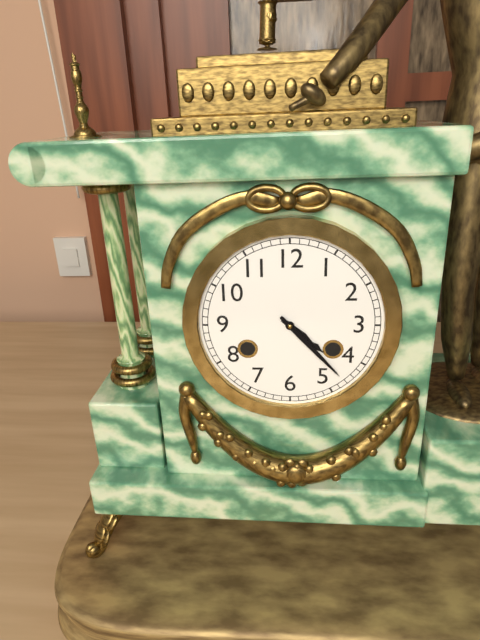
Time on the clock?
4:23
